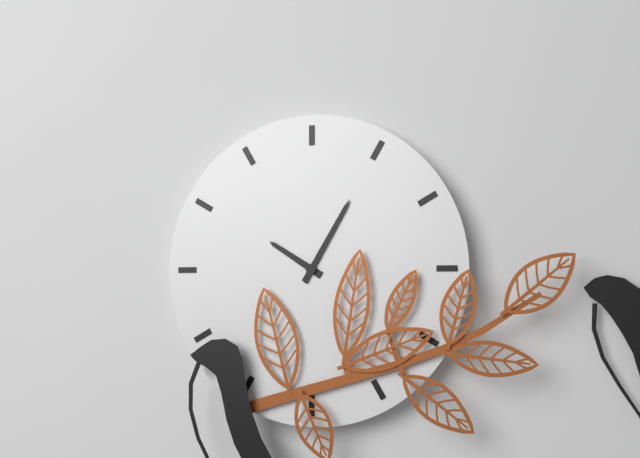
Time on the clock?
10:05
